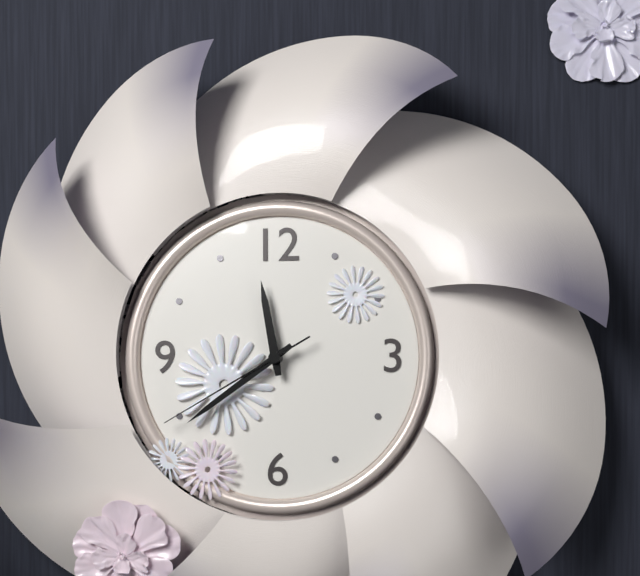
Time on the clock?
11:39:40
